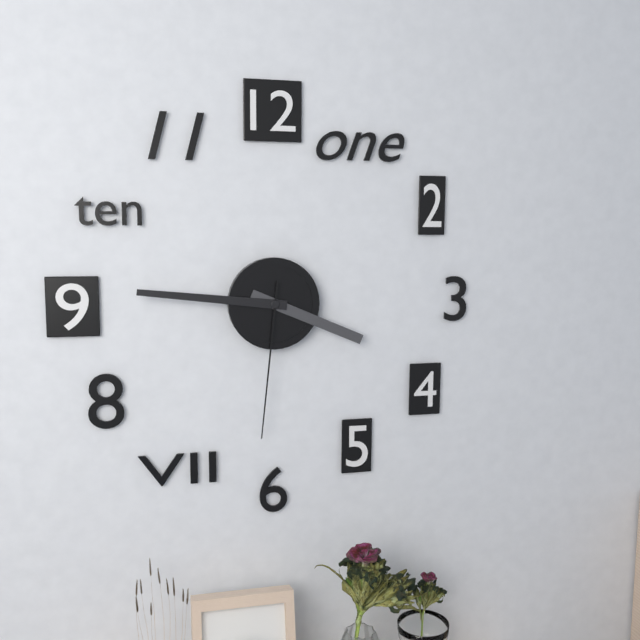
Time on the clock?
3:46:31
